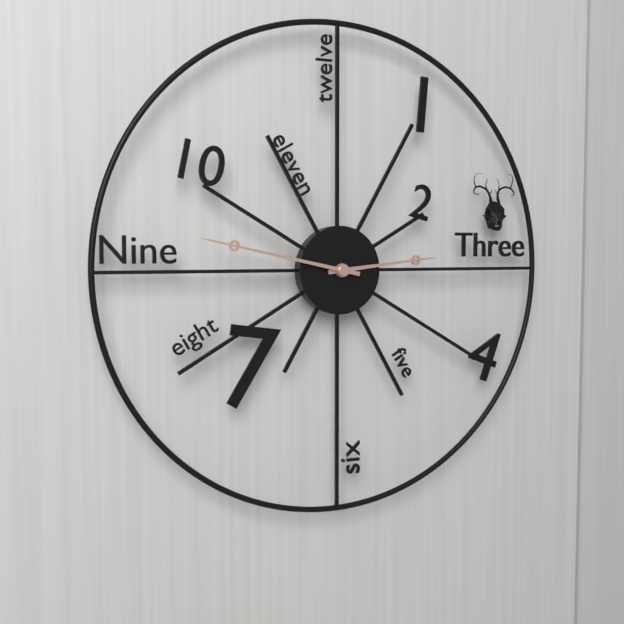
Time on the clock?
2:47
